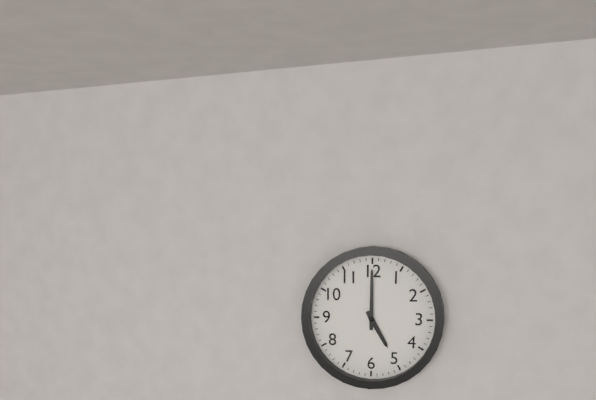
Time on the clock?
5:00
